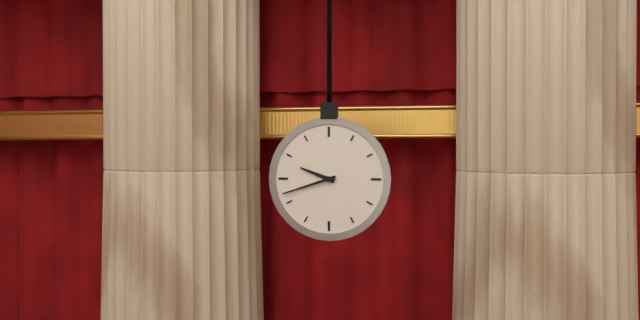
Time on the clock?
9:42
